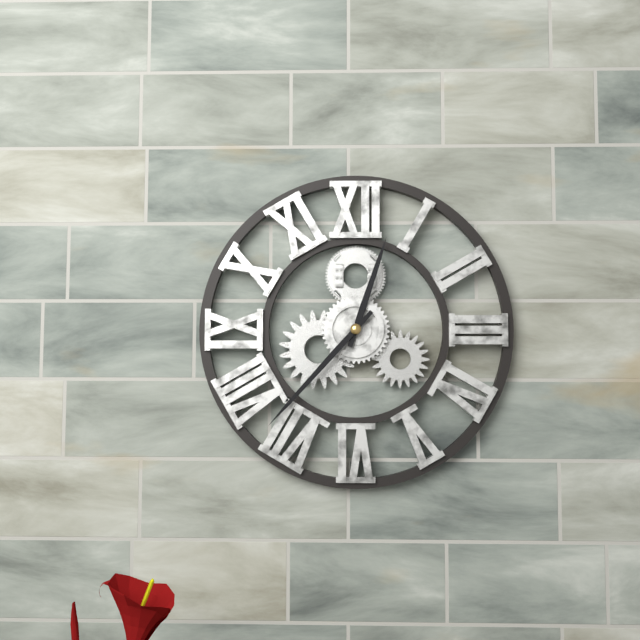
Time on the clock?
12:37
